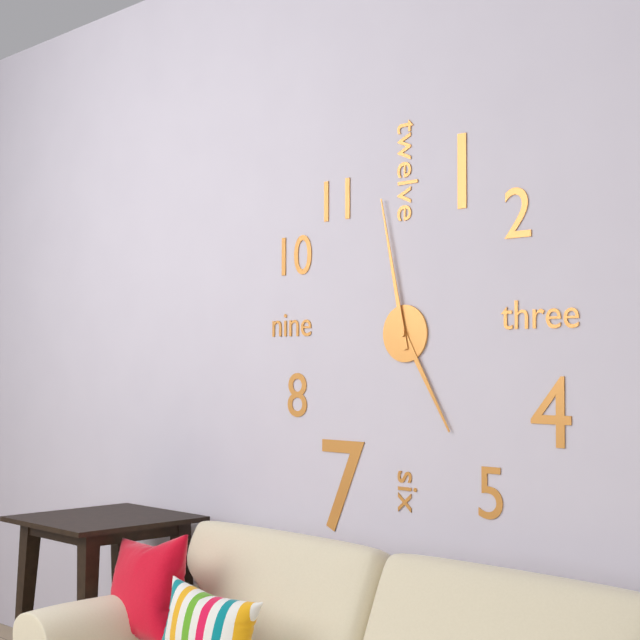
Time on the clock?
4:58
